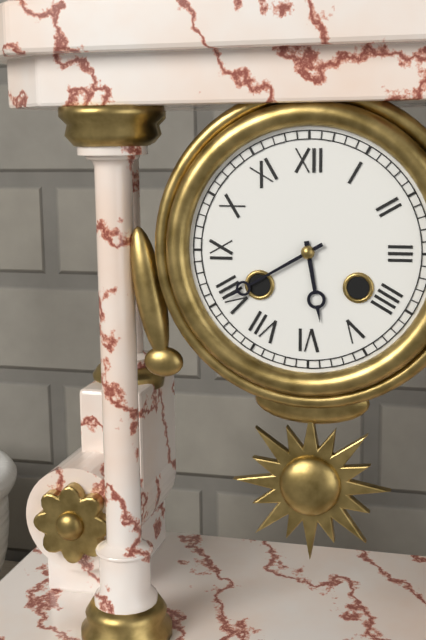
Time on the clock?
5:40
